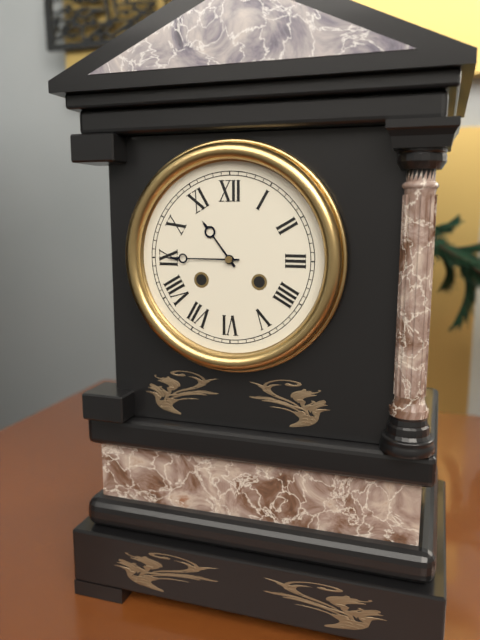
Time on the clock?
10:45
